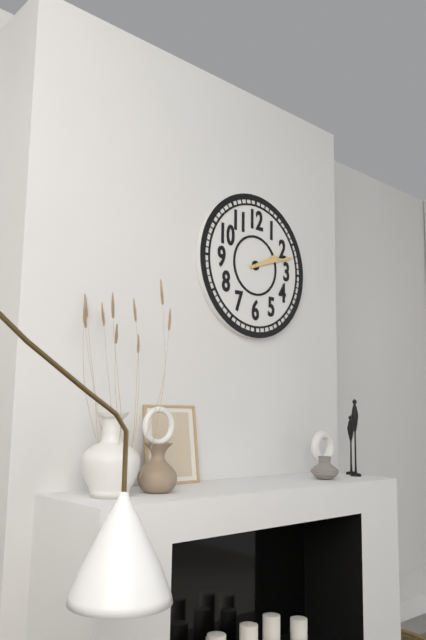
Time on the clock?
2:12
